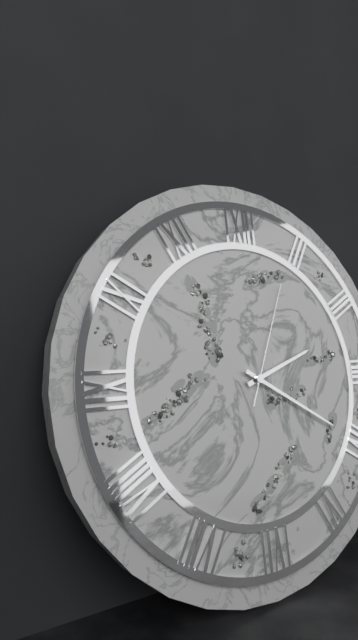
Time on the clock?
2:20:04
